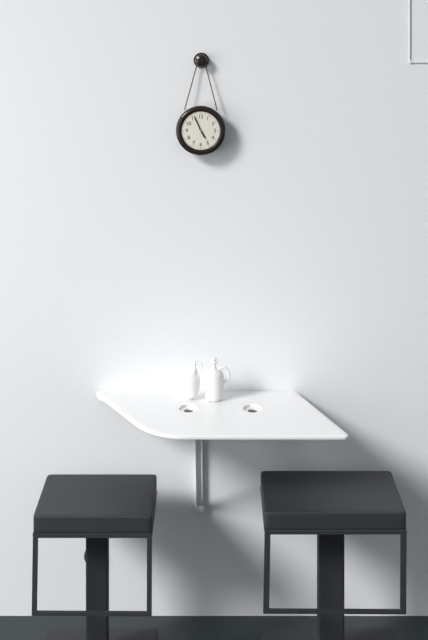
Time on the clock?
4:56
